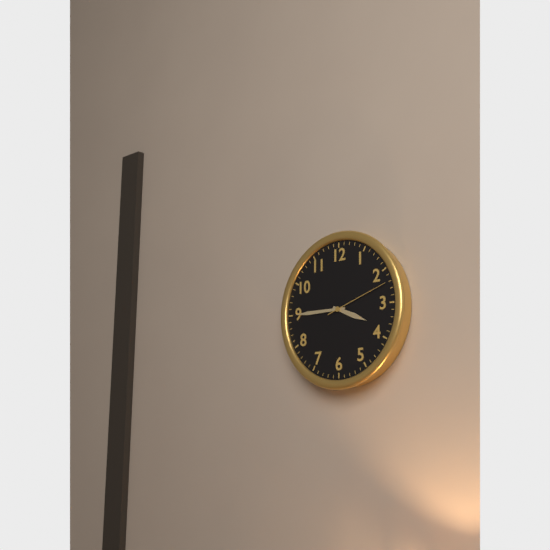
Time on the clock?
3:45:12
